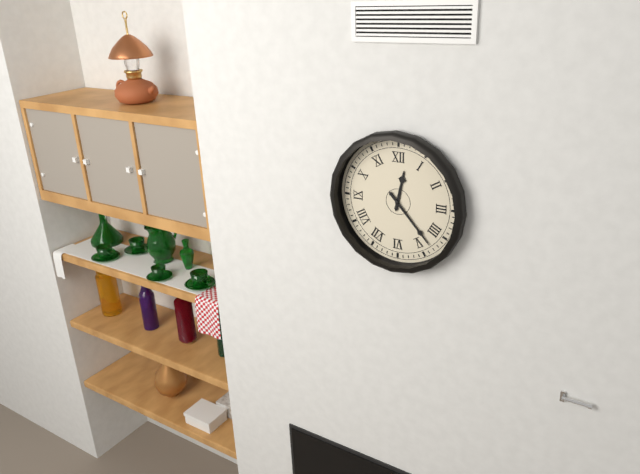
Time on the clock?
12:23
